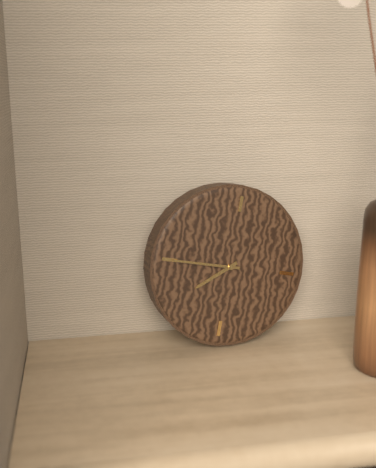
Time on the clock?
7:45
